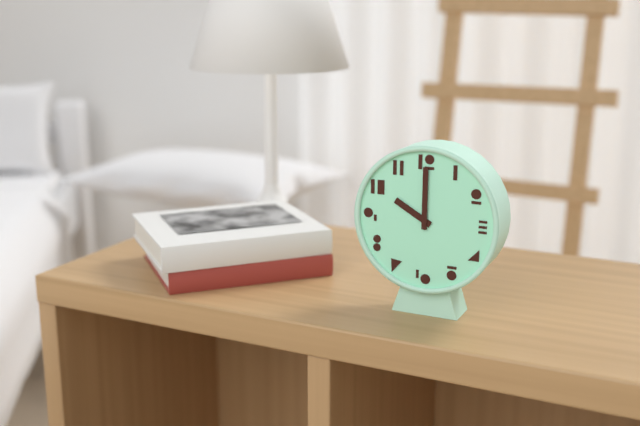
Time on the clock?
10:00
